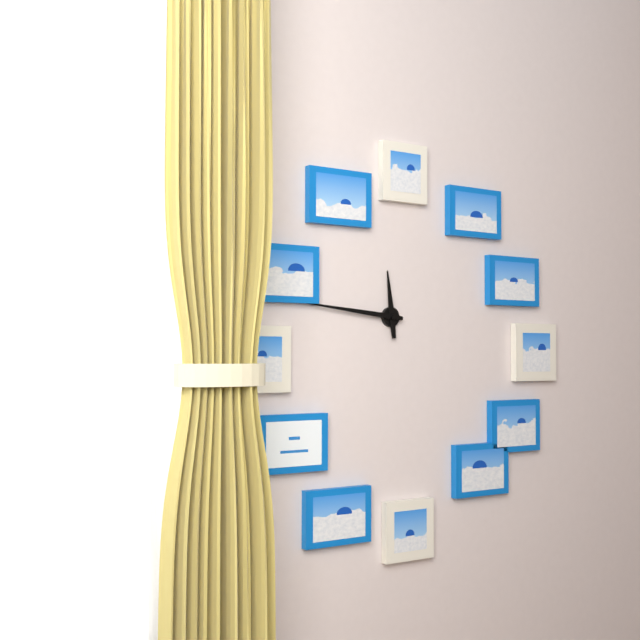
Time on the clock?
11:46
